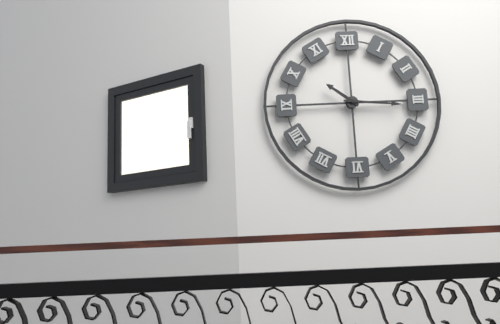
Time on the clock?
10:16
